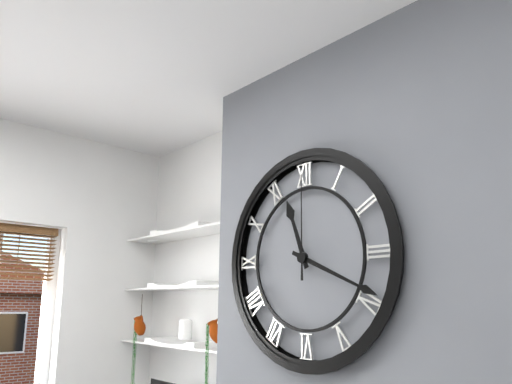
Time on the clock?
11:19:00
